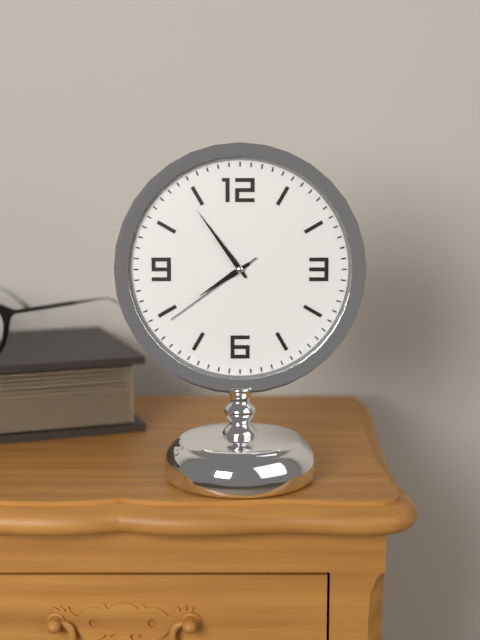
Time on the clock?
7:54:39
